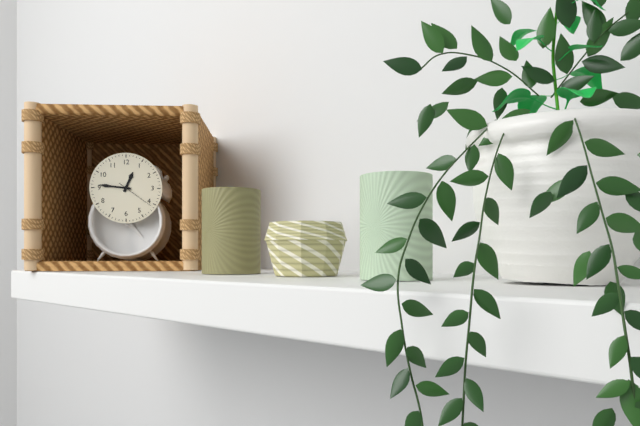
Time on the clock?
12:46
